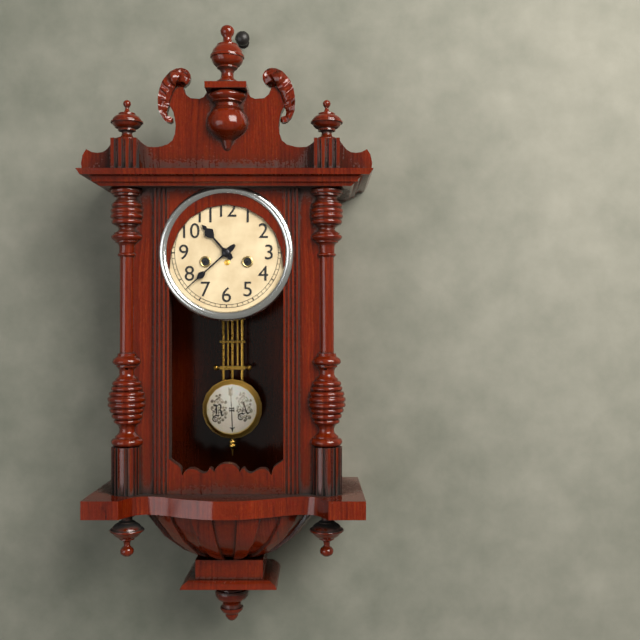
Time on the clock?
10:38
